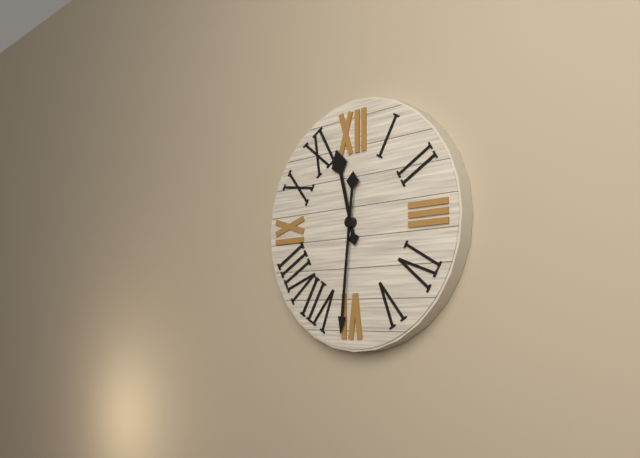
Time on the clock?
11:31
